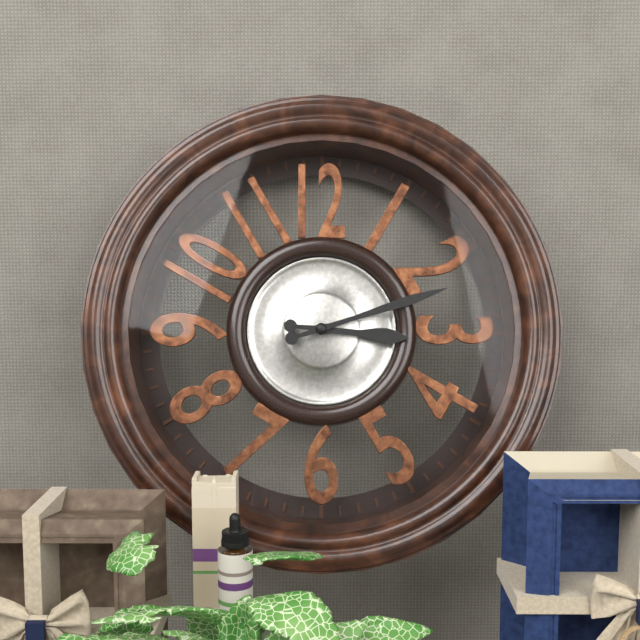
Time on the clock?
3:12
